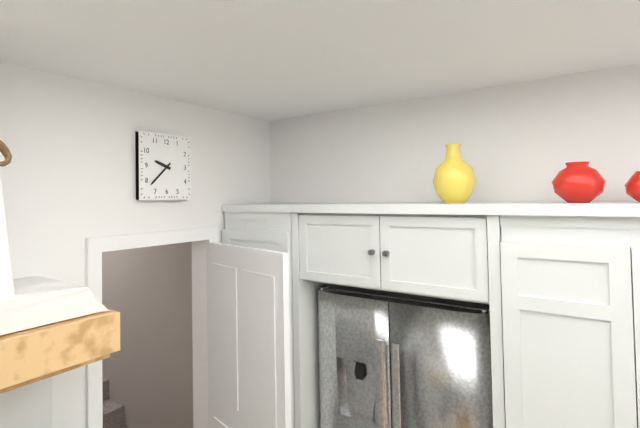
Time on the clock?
9:38
